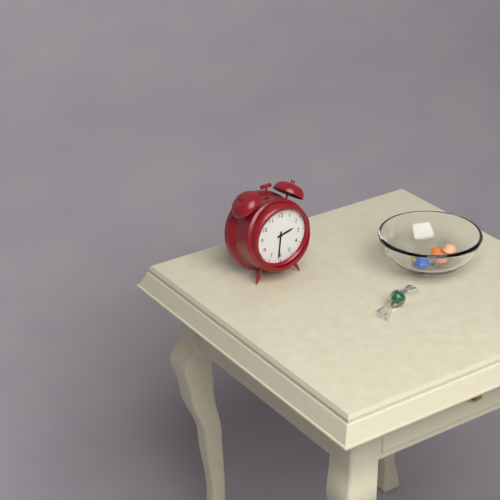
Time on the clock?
2:31
